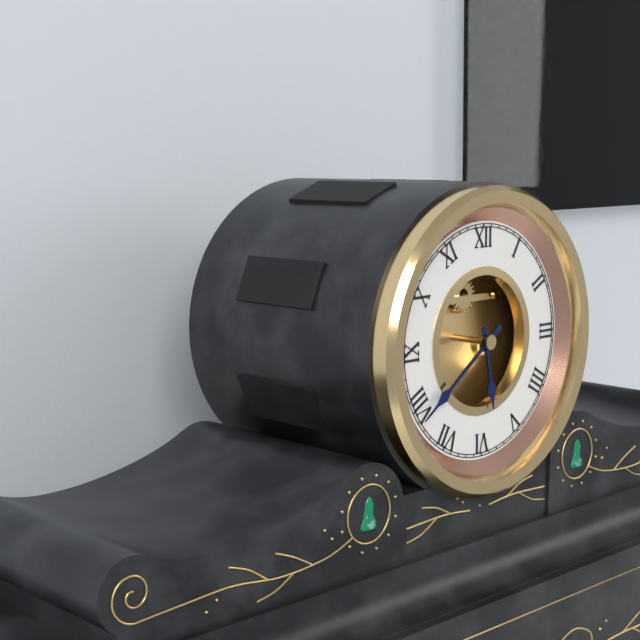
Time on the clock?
5:39
